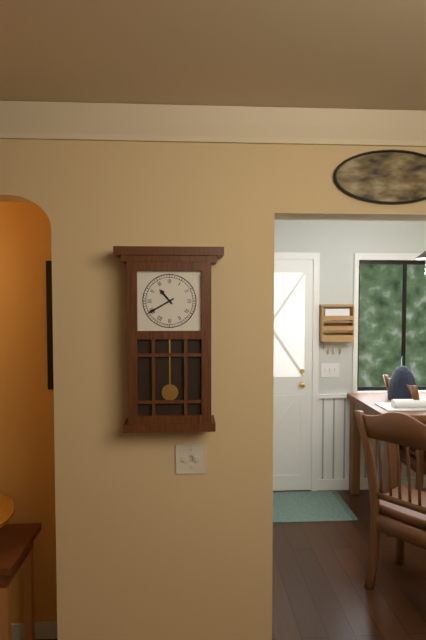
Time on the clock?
10:40
